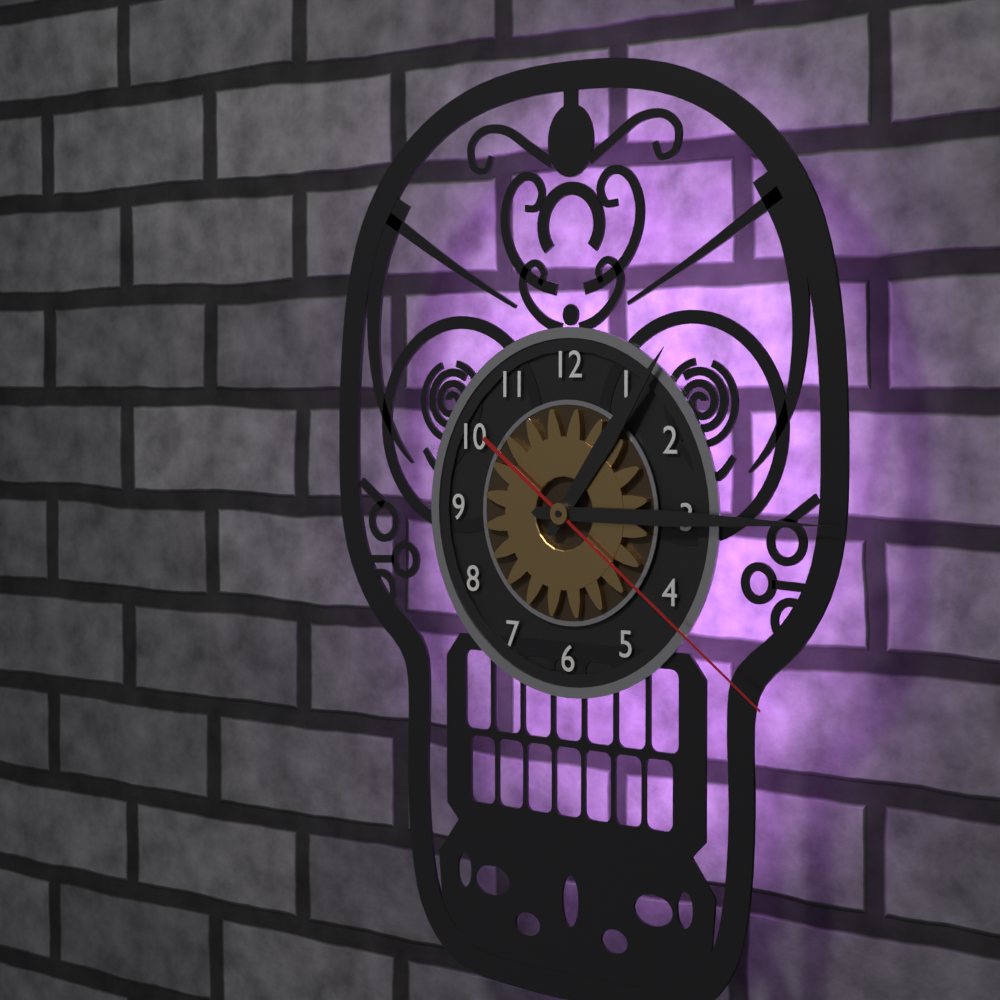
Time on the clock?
1:15:21
